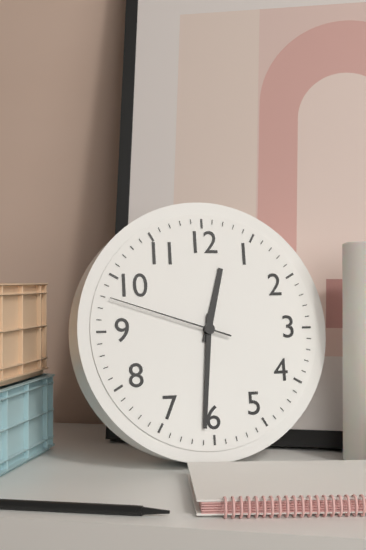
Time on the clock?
12:31:48
